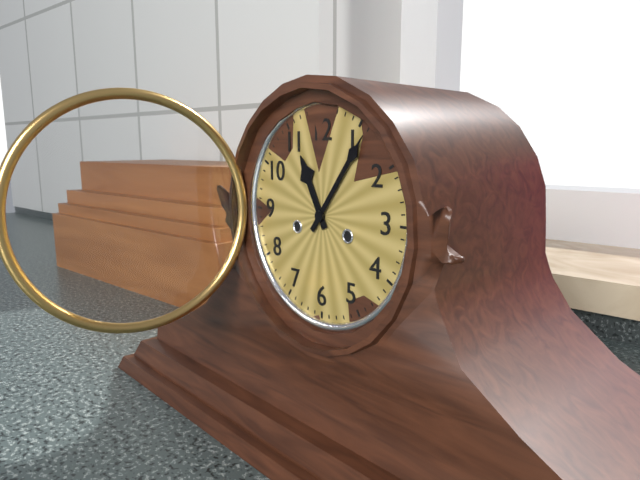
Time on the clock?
11:06
